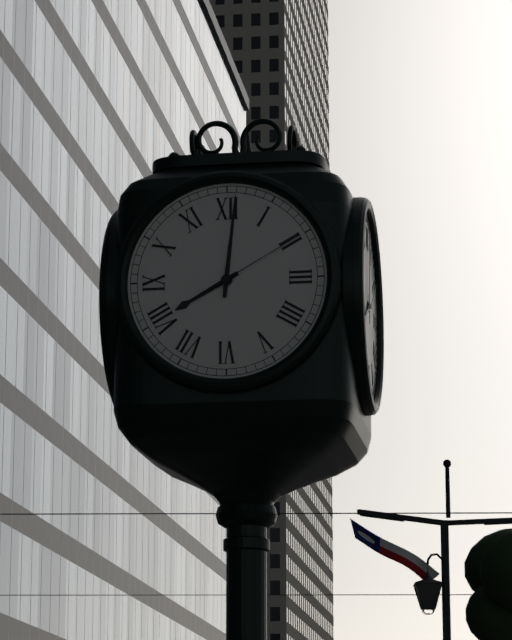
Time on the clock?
8:01:10
